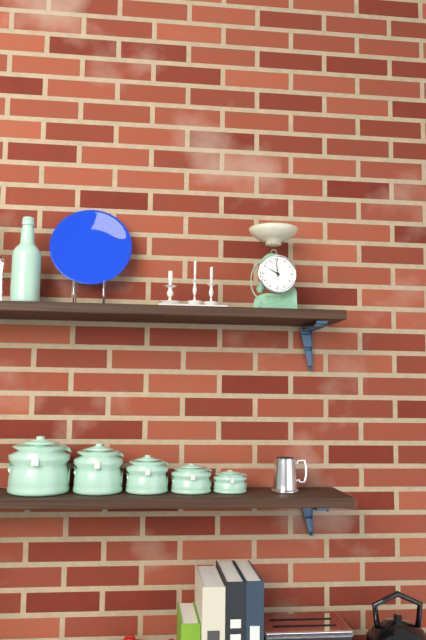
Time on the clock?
9:59
